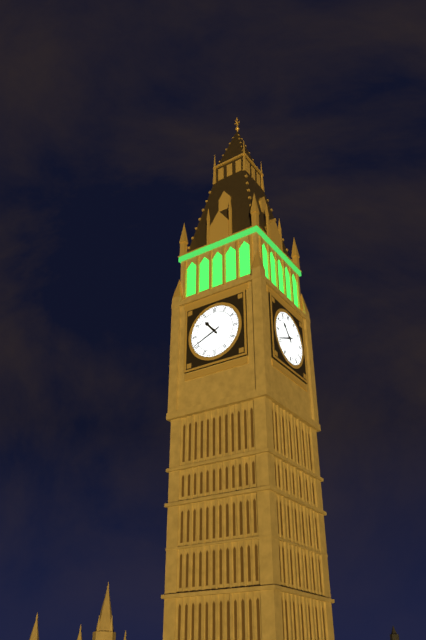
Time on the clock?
10:41
